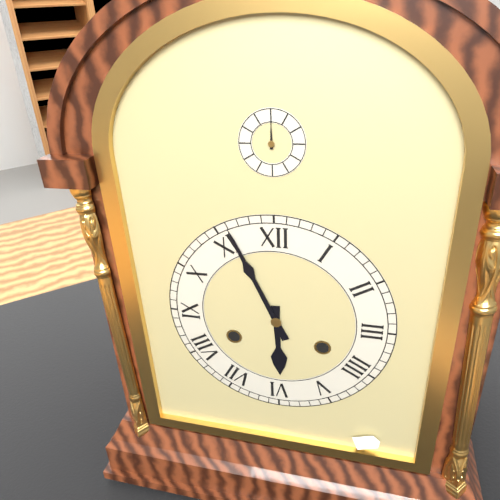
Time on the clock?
5:56
